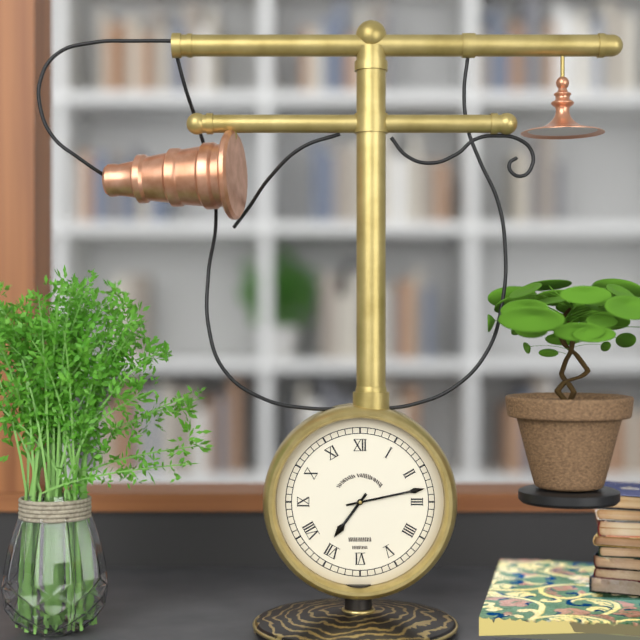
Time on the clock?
7:13
